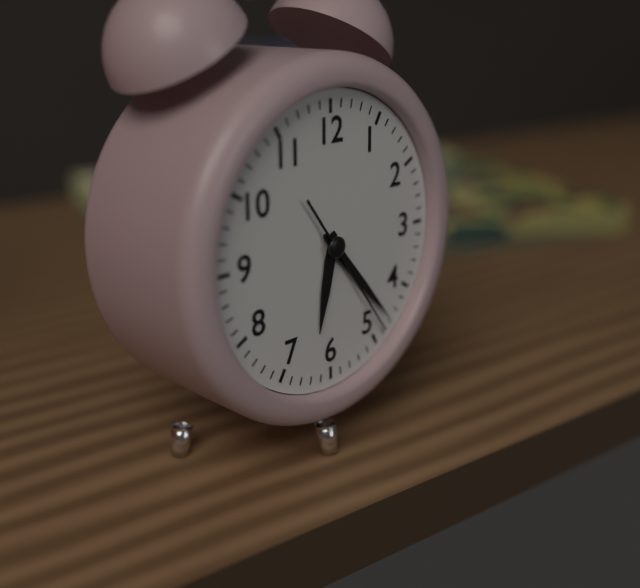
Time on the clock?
6:23:24
